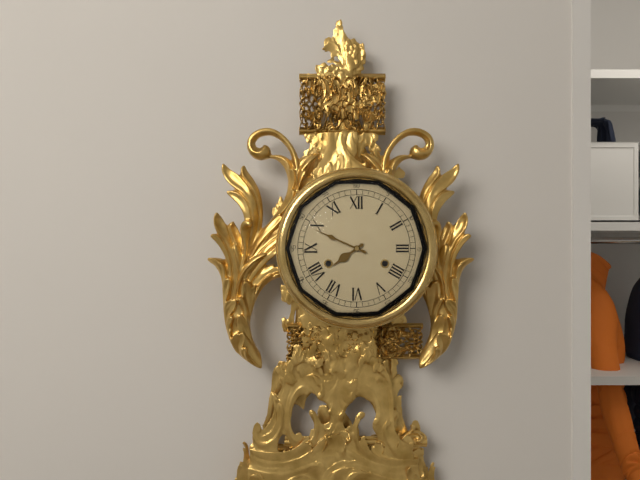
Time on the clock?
7:49
